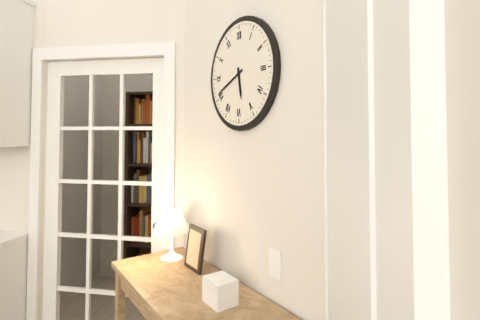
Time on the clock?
5:41
